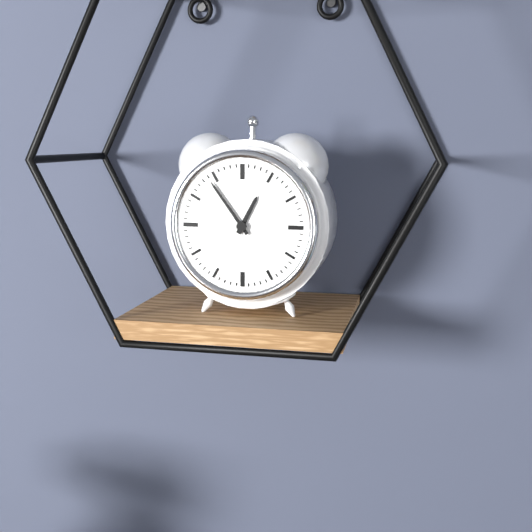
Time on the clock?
12:54
